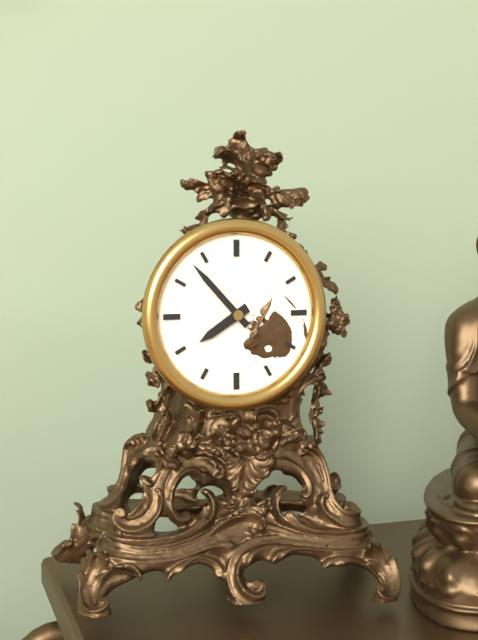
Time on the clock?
7:53
